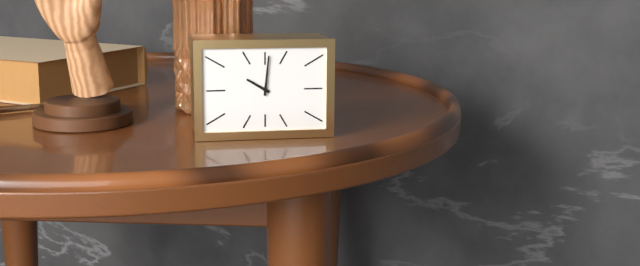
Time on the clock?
10:01
